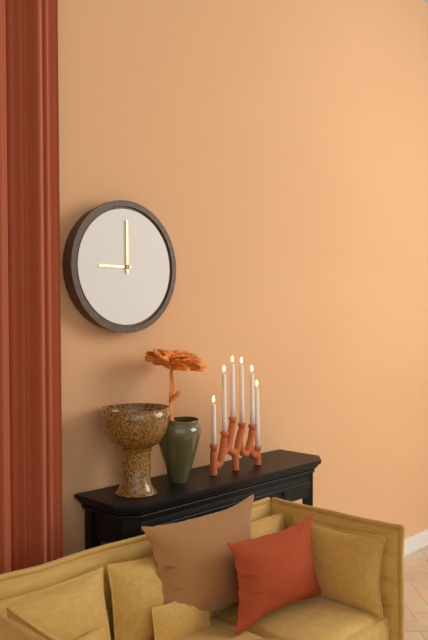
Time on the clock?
9:00
